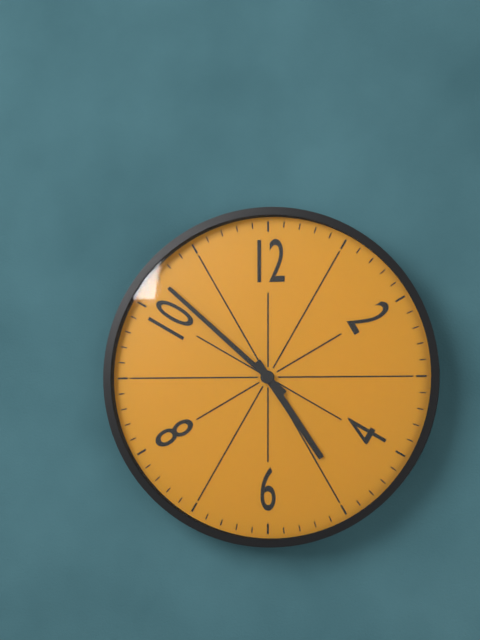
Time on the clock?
4:52
